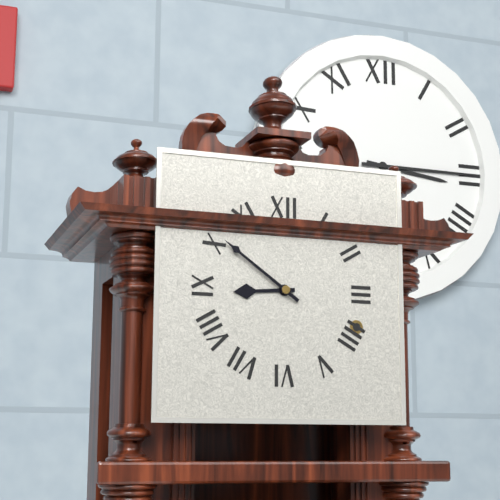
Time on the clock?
8:51
